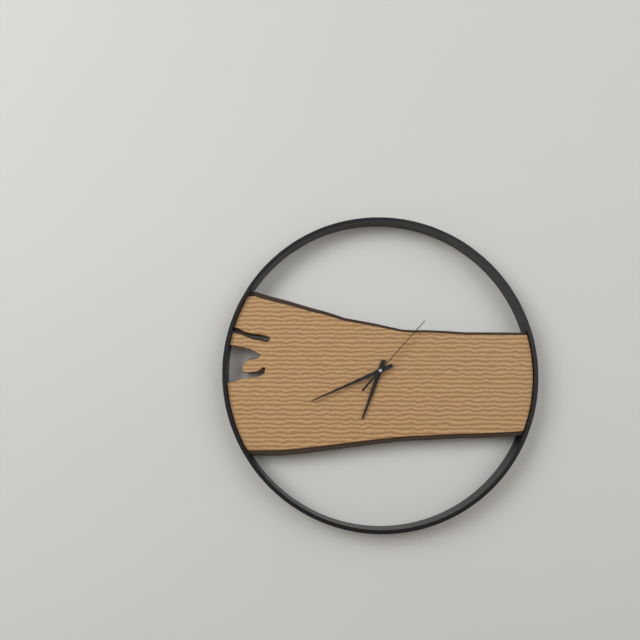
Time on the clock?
6:41:07
